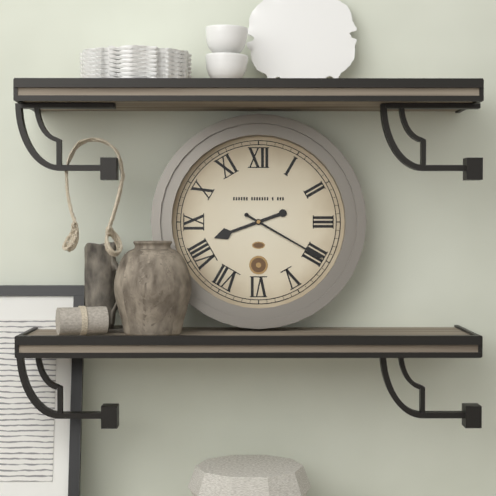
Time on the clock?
8:20
